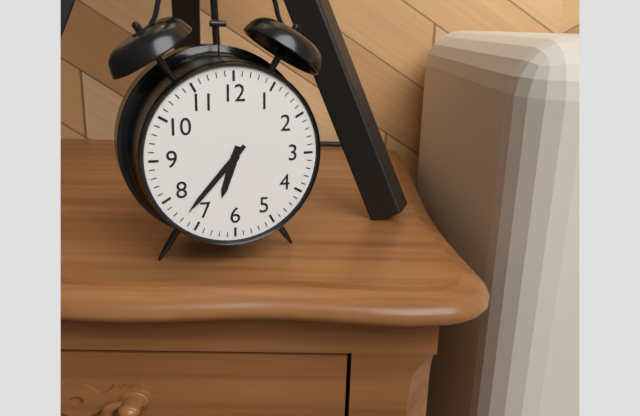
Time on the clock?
6:37
